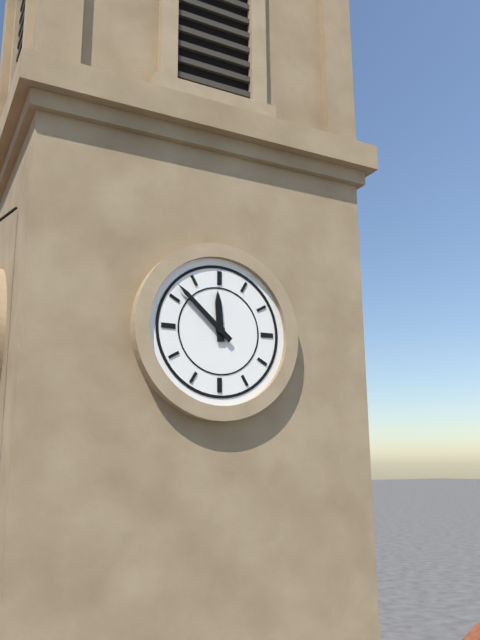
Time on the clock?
11:52
